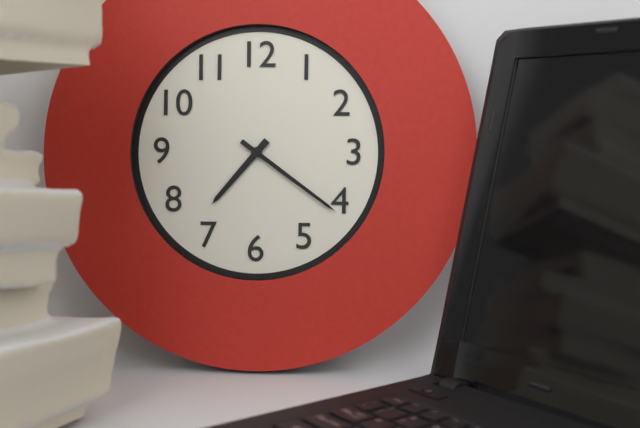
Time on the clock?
7:21
